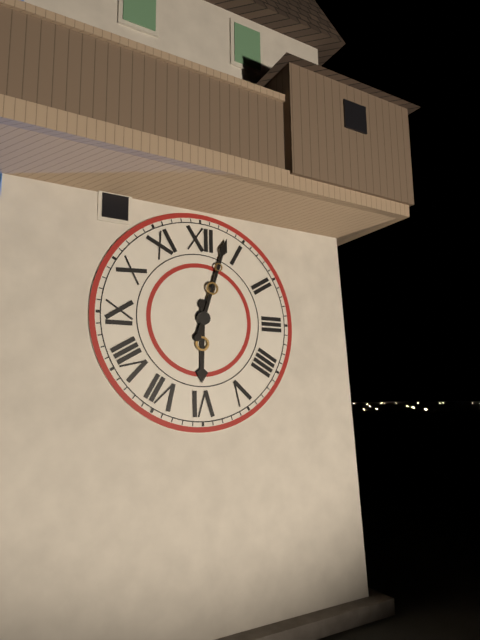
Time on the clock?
6:03
